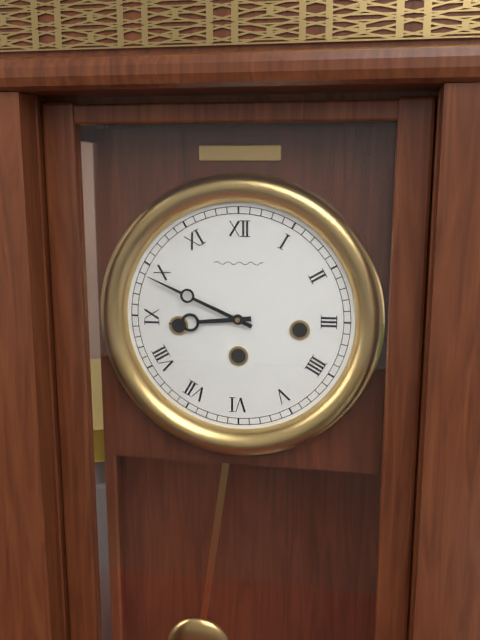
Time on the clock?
8:49
